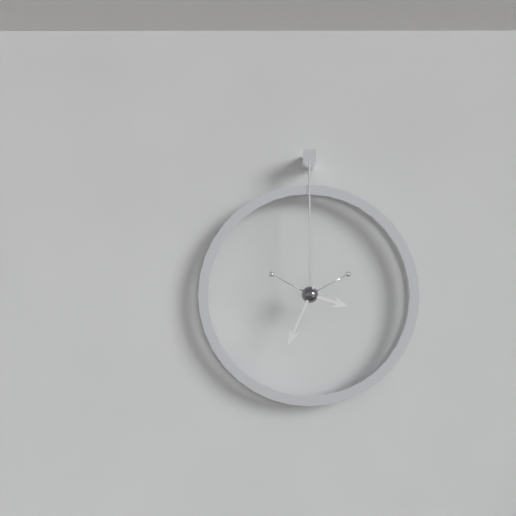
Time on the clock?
3:34
